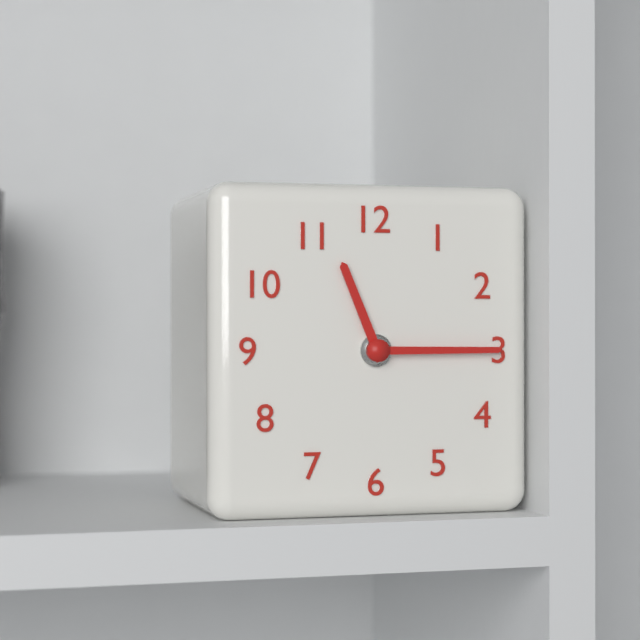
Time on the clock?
11:15
